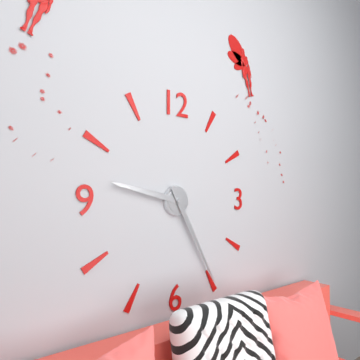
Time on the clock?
9:25
